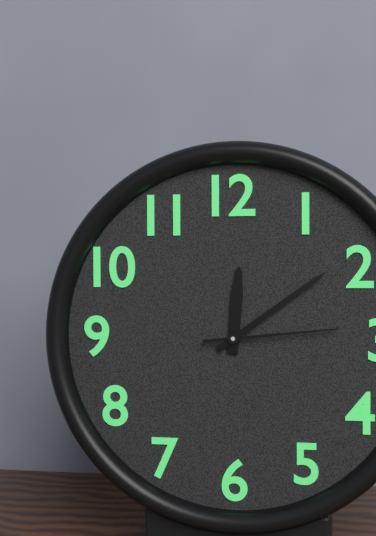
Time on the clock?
12:09:14
